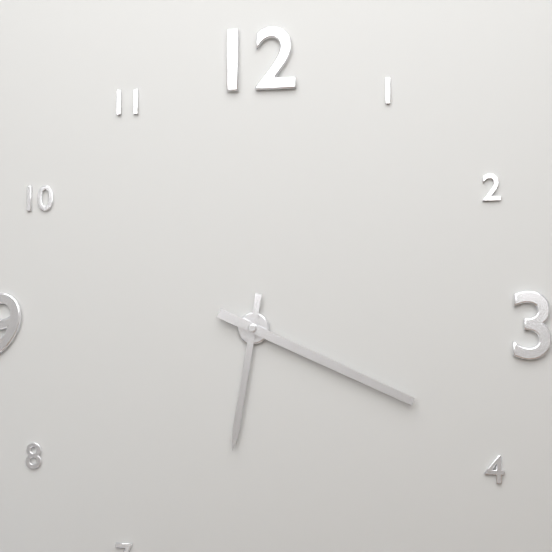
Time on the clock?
6:19
